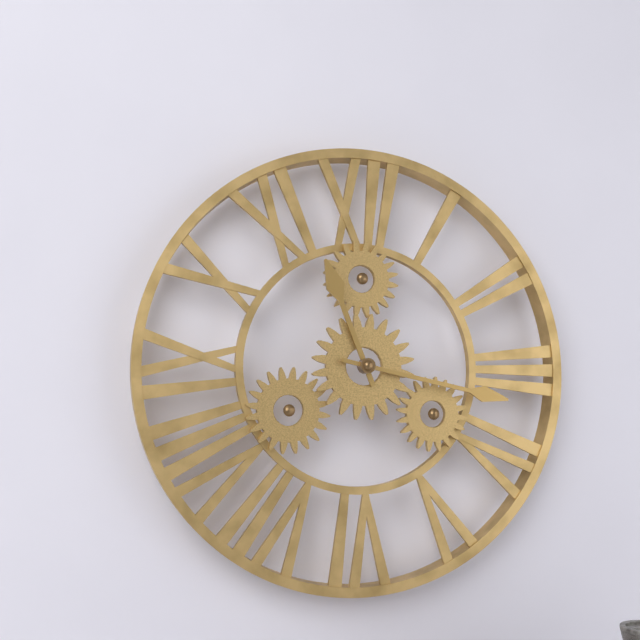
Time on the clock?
11:17
